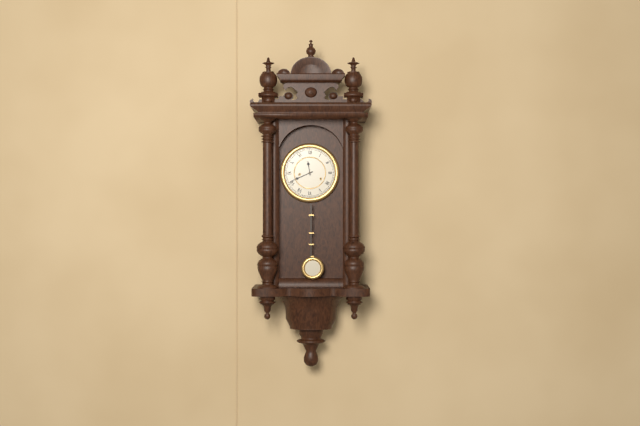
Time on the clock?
11:41
